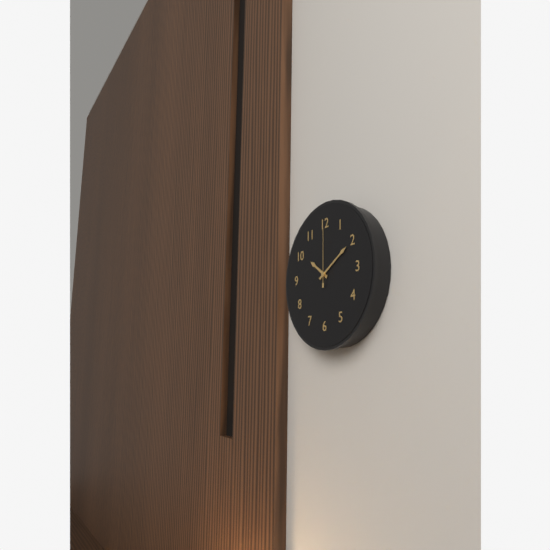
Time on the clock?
10:10:00
